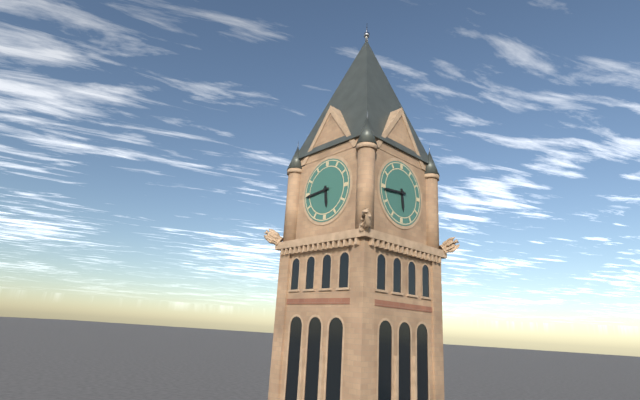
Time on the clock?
5:44
